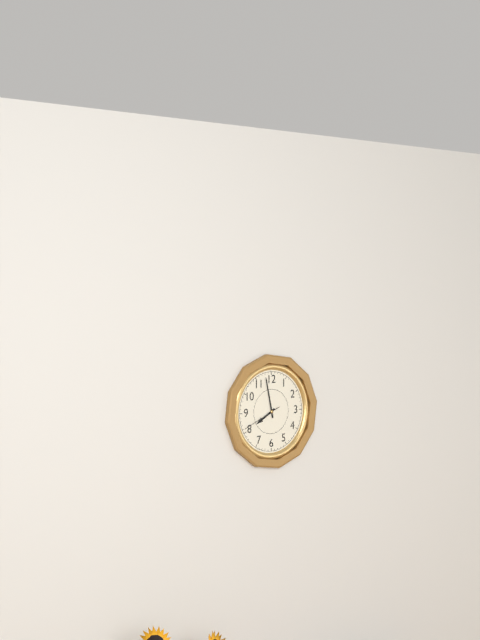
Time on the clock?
7:58
